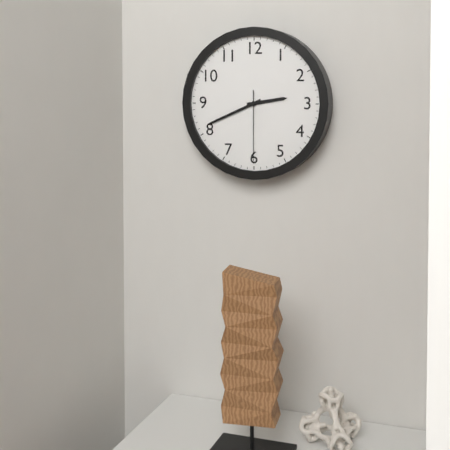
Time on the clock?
2:41:30
